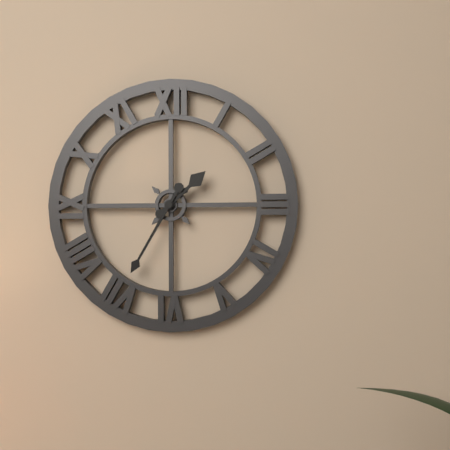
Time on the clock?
1:35
